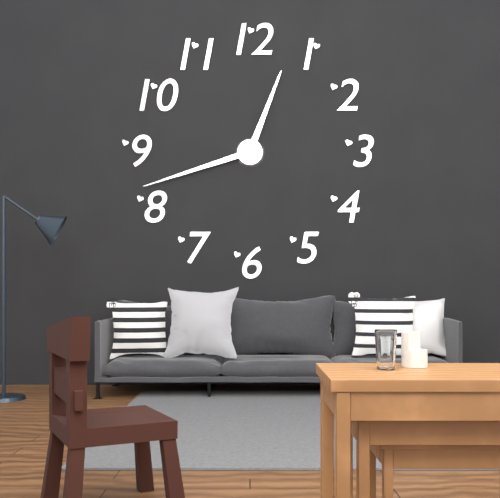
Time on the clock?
12:42
